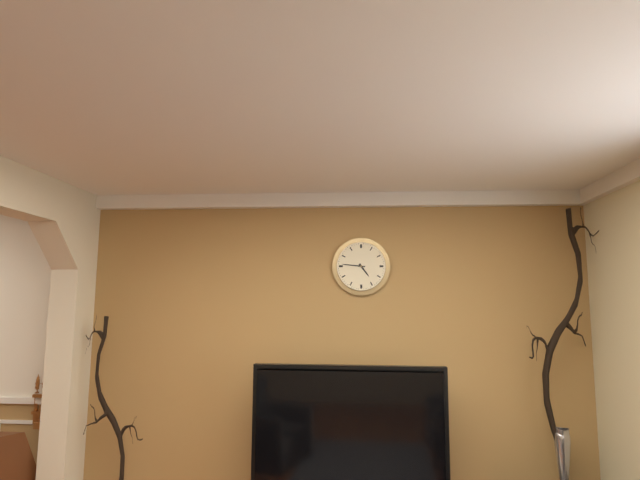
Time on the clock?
4:46
